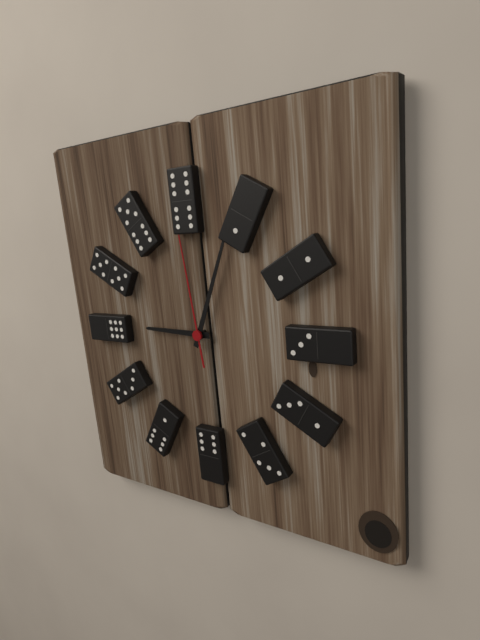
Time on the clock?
9:04:59
